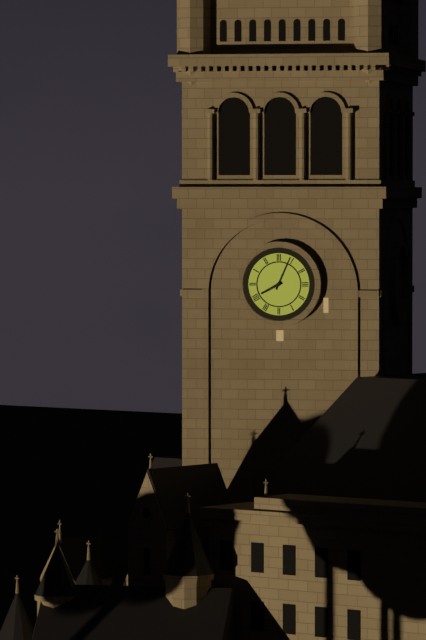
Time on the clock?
8:04
